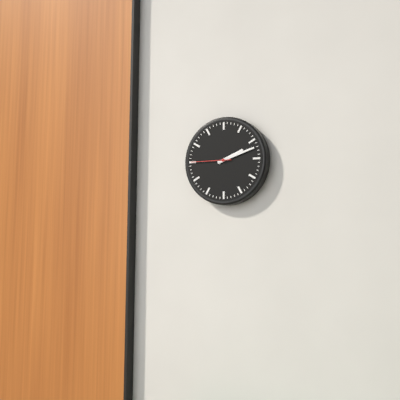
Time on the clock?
2:12
